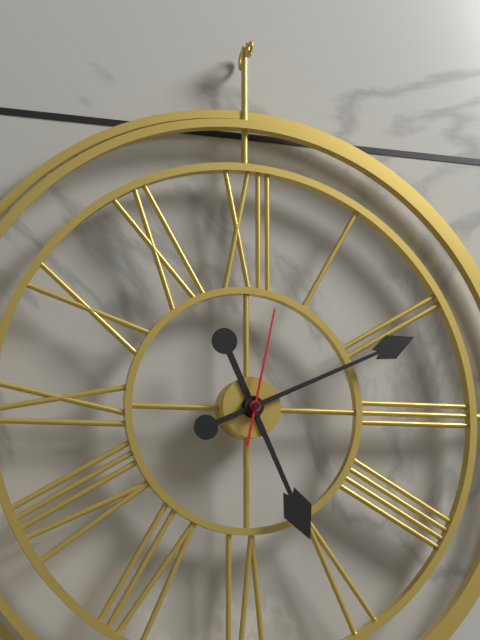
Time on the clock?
5:11:02
